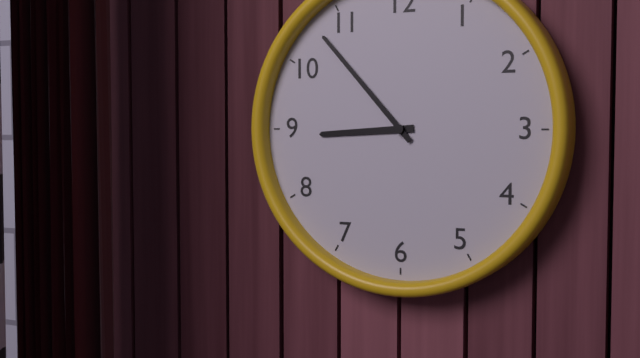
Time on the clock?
8:53
